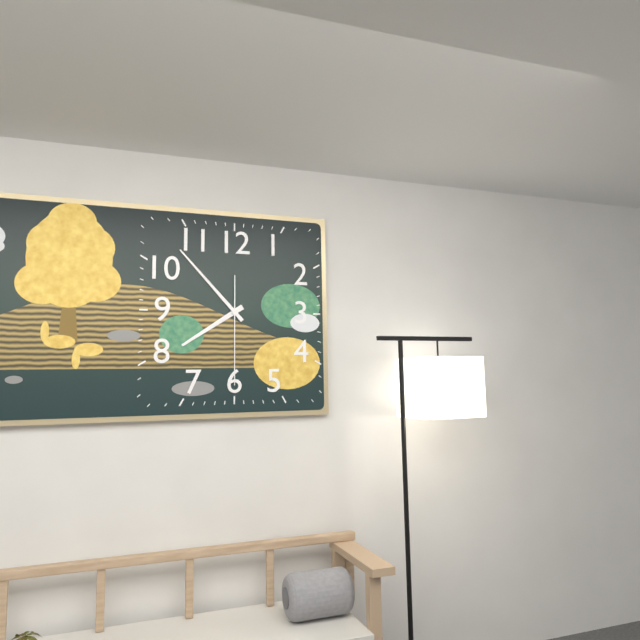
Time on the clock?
7:53:30
